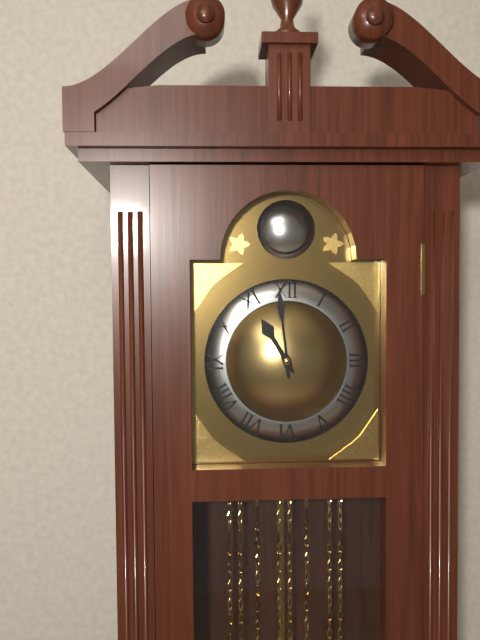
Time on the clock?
10:59
